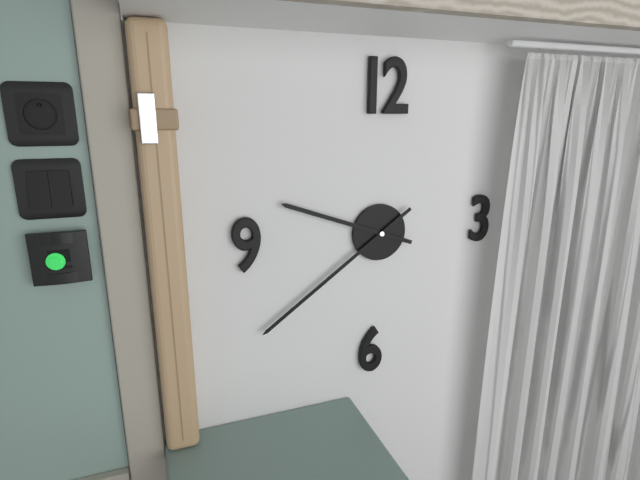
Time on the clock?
9:39
